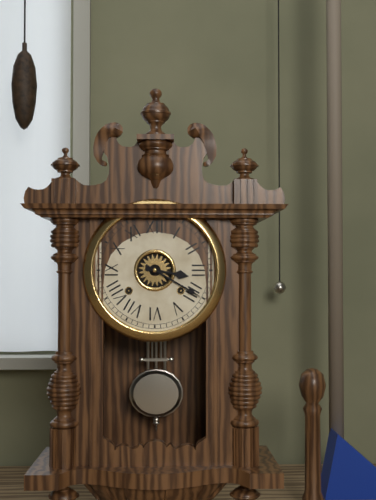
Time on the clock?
3:20
